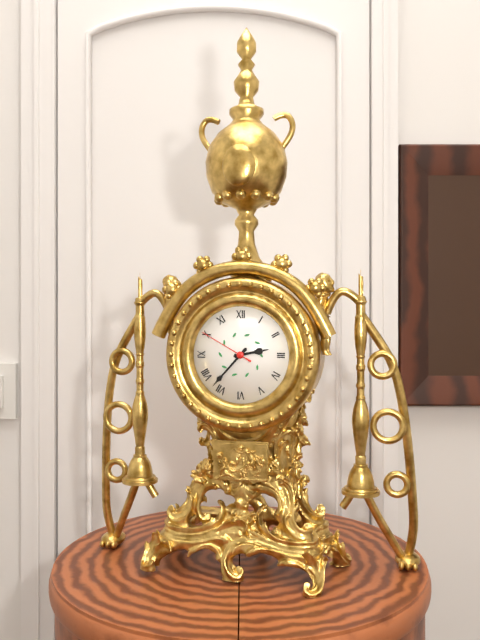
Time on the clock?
2:37:50
